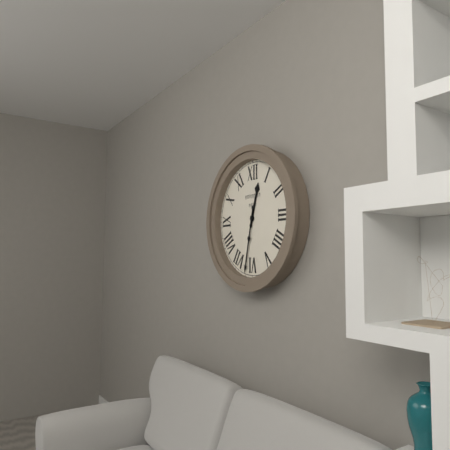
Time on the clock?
12:32
